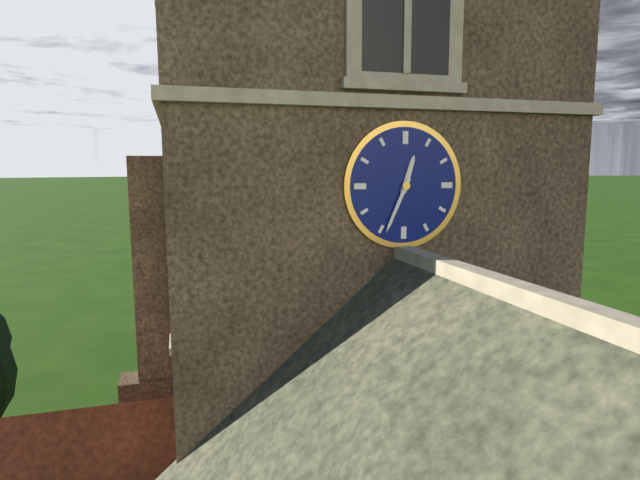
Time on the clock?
12:34
